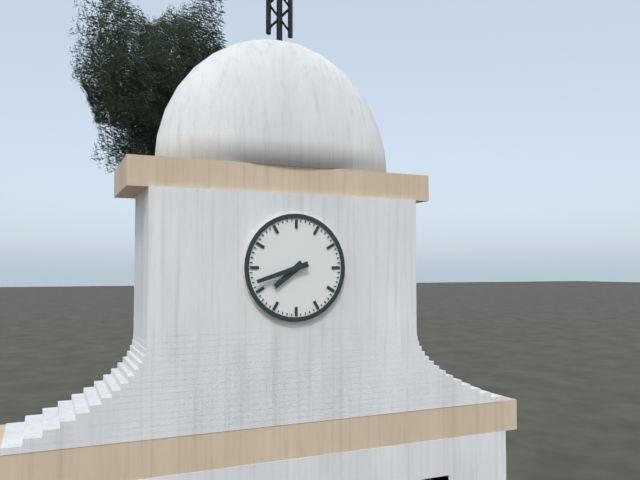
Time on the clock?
7:42
